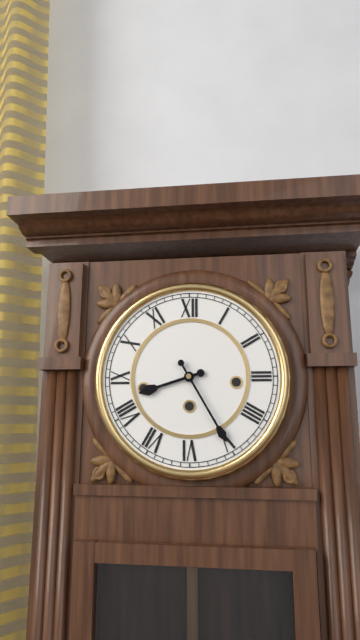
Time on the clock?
8:25
